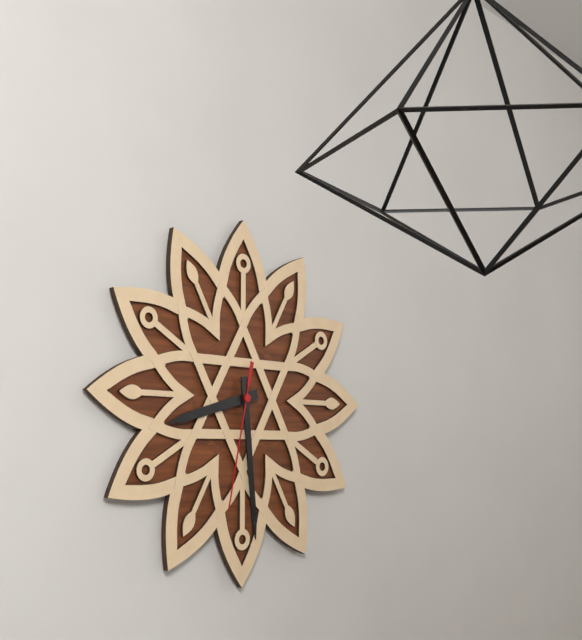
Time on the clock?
8:29:32
